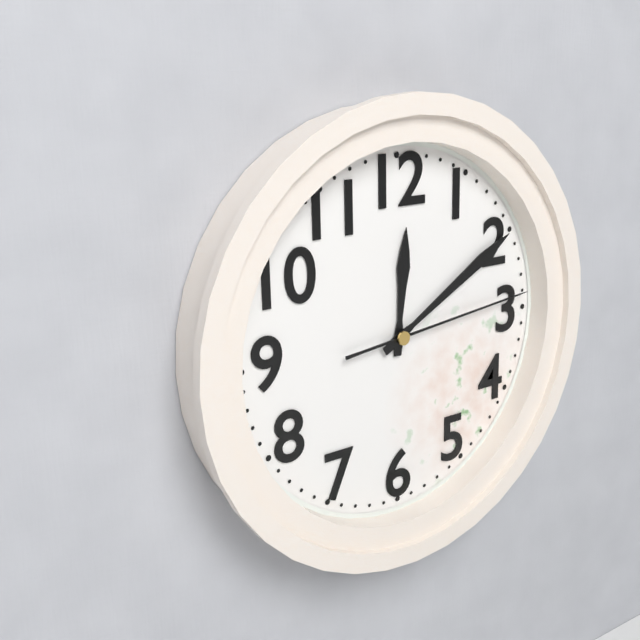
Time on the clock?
12:10:14
